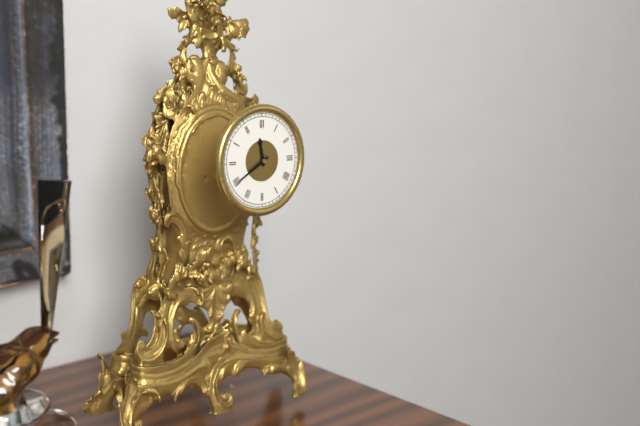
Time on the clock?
11:40
